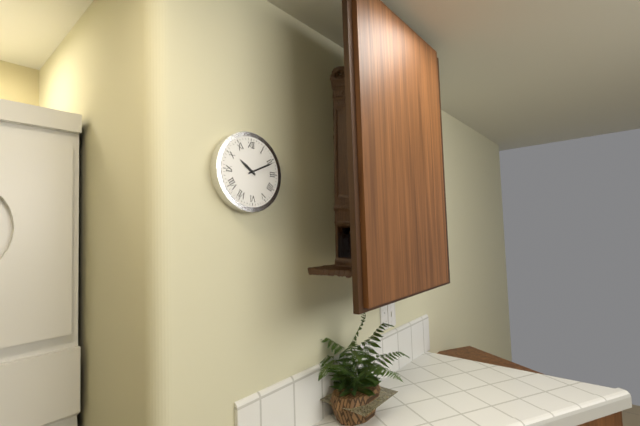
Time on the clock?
10:11
